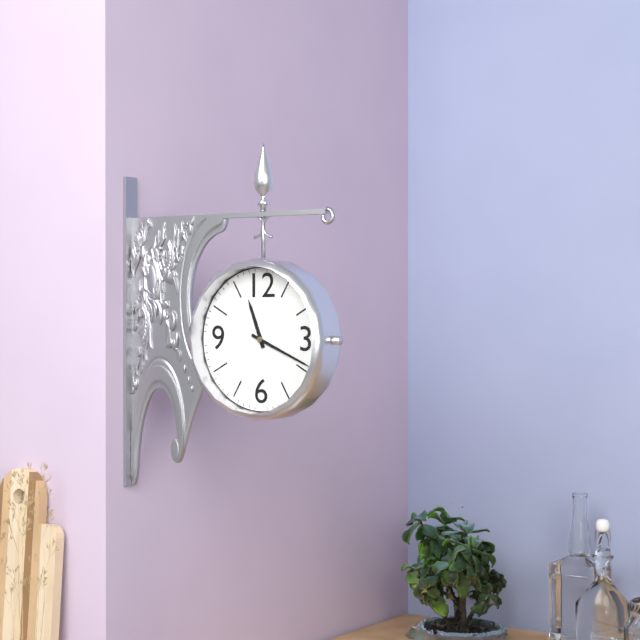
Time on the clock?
11:19
